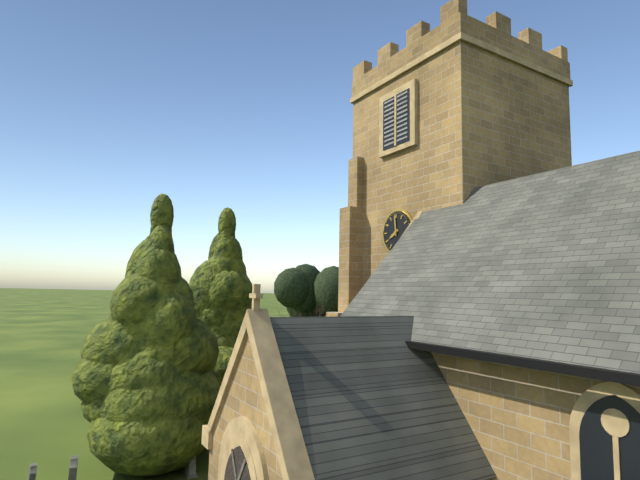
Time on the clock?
7:59
